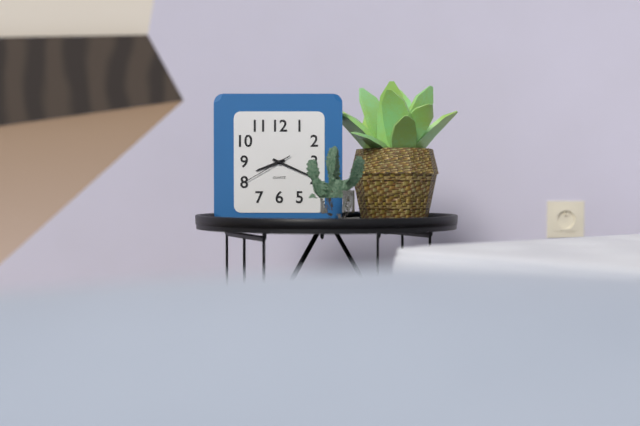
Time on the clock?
8:19:40
